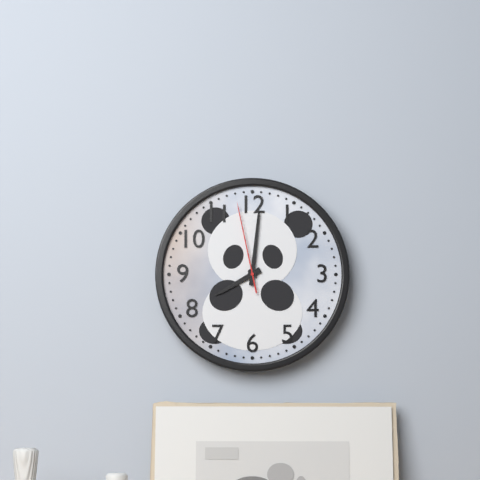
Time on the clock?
8:01:58
